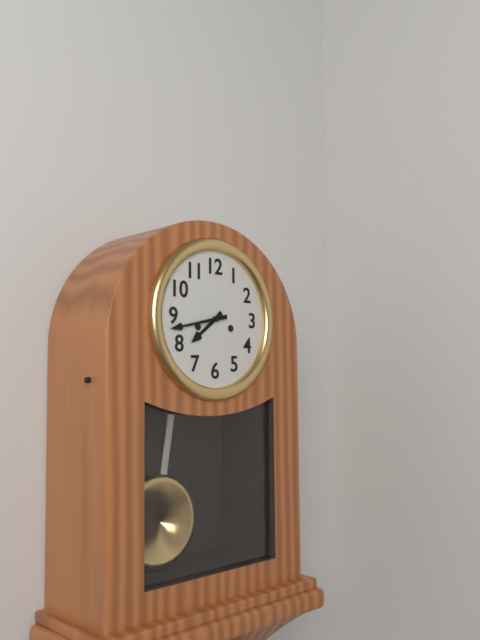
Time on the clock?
7:43
